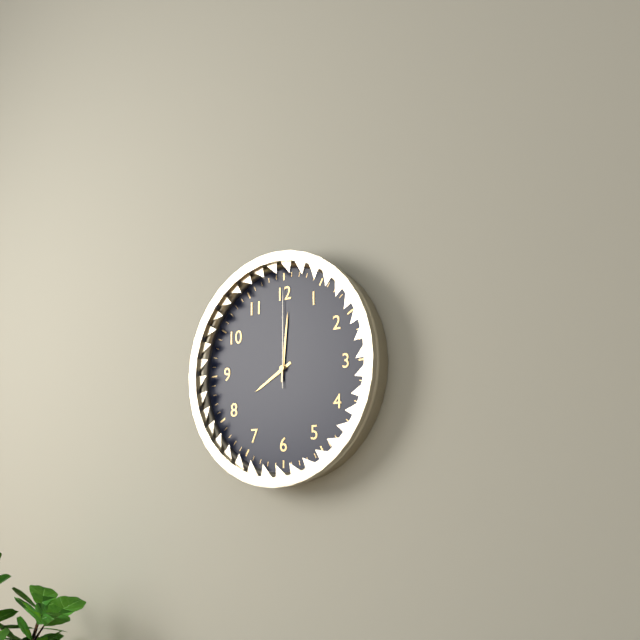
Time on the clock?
8:01:00
